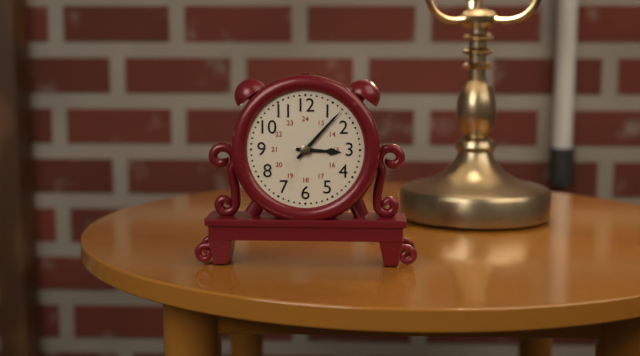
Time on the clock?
3:07
